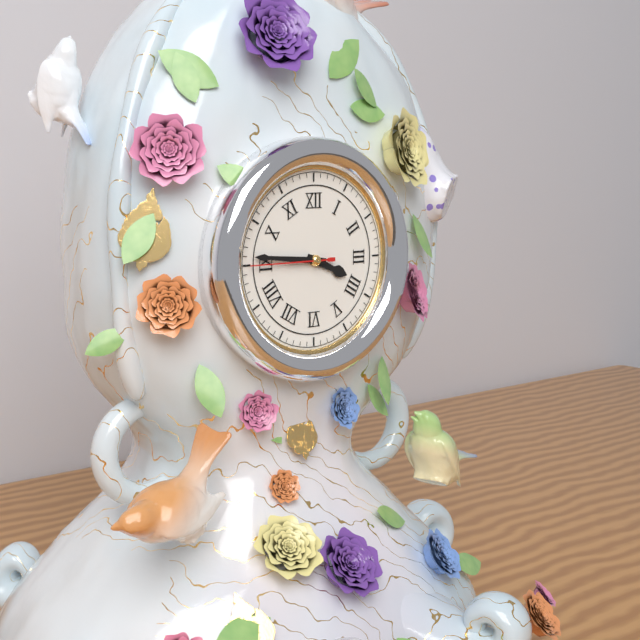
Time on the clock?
3:46:45
